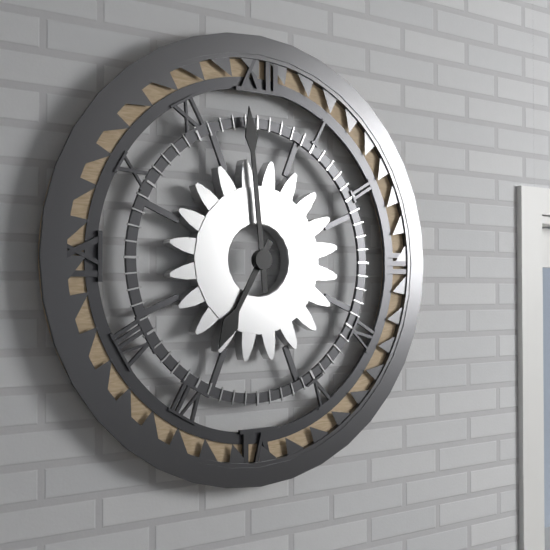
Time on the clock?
6:59
